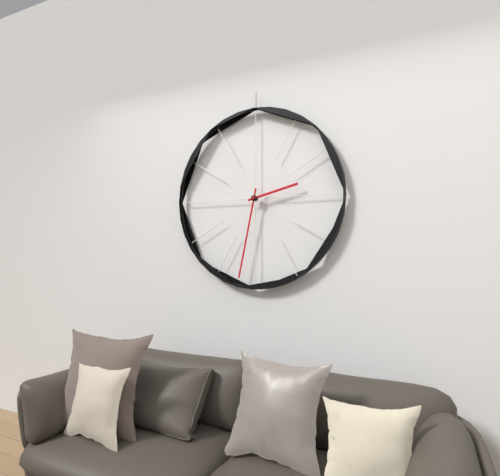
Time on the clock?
2:32
